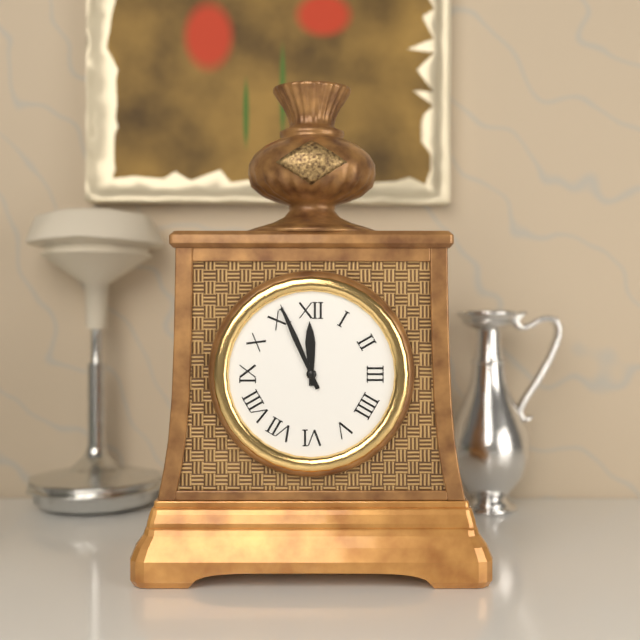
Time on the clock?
11:56
